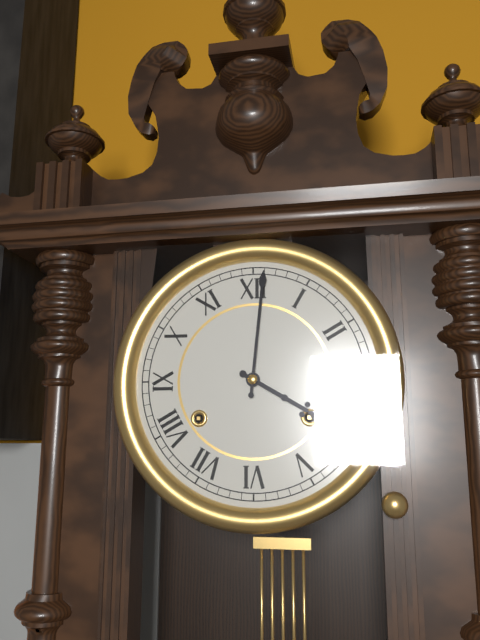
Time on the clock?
4:01
